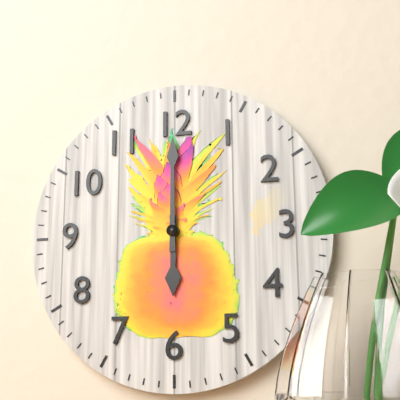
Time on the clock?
6:00
